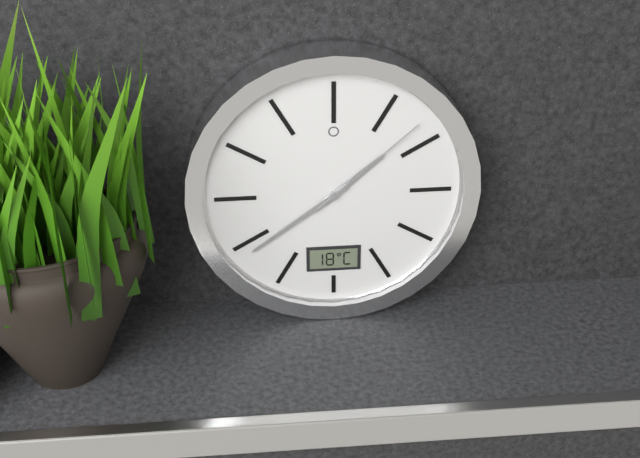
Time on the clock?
1:39:08
